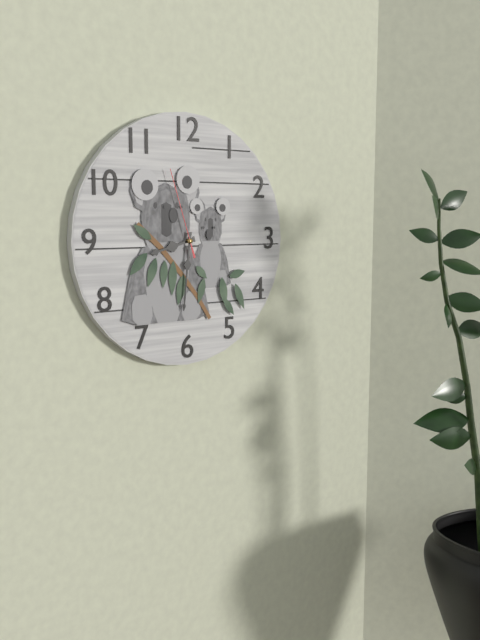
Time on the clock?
8:31:57
